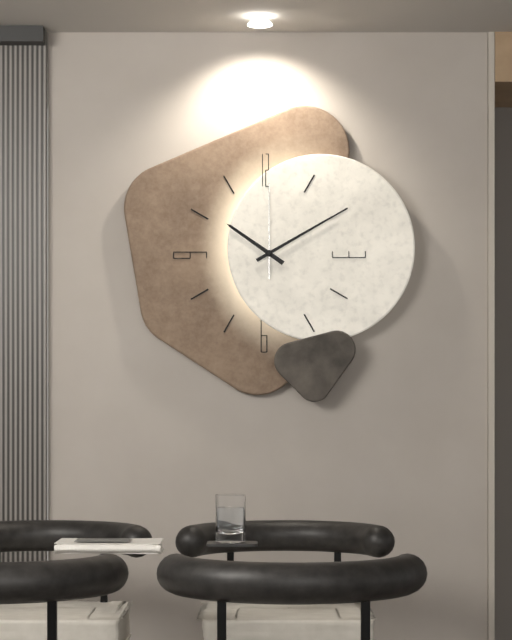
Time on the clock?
10:10:00
